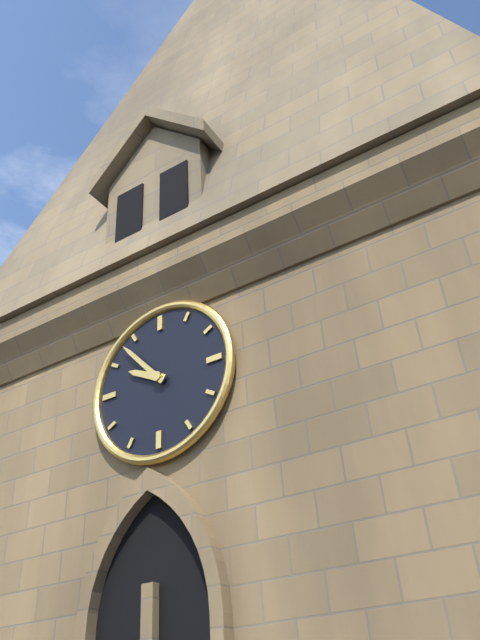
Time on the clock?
9:53
